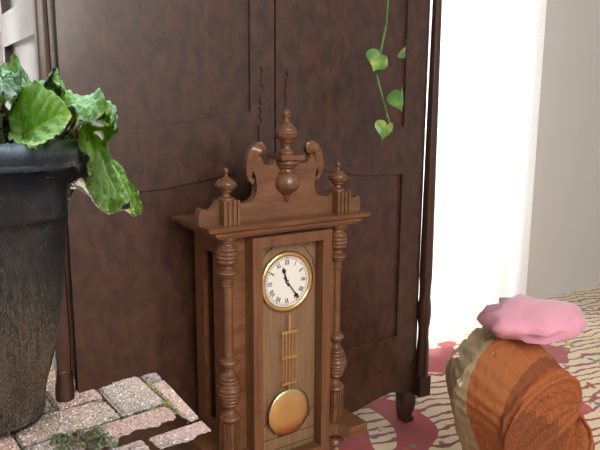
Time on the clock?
11:24
